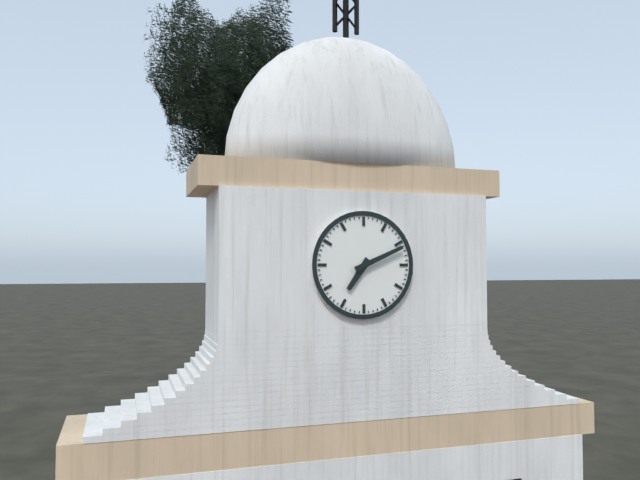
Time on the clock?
7:11
